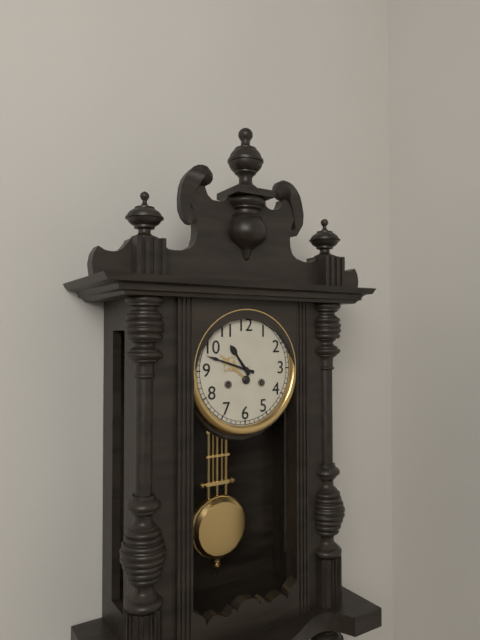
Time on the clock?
10:48
